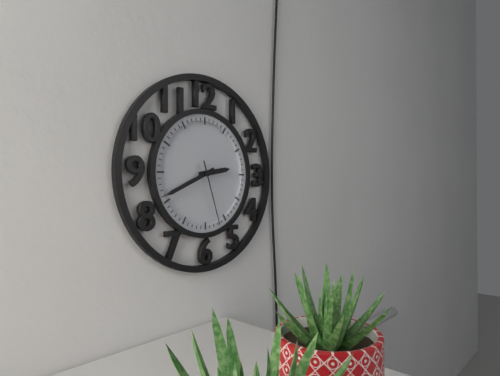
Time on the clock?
2:41:27
